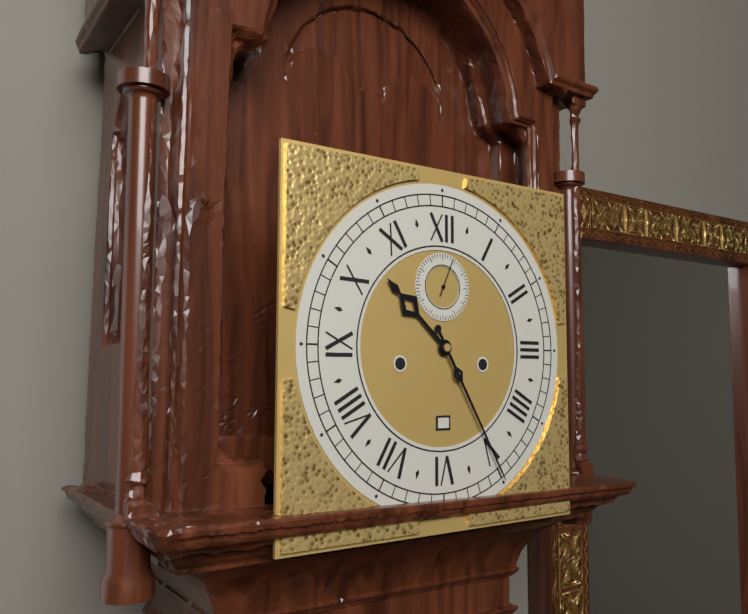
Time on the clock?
10:25
